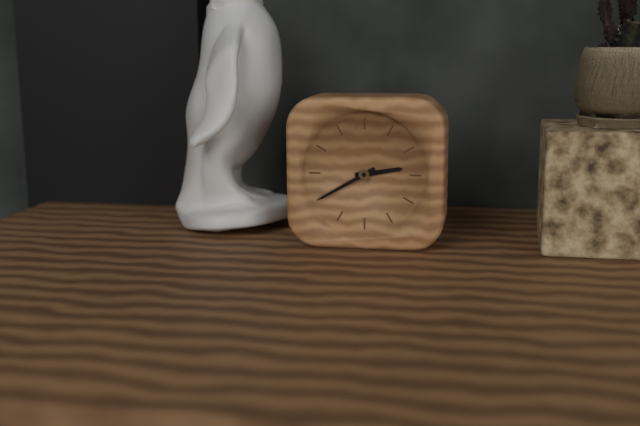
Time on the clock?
2:40
